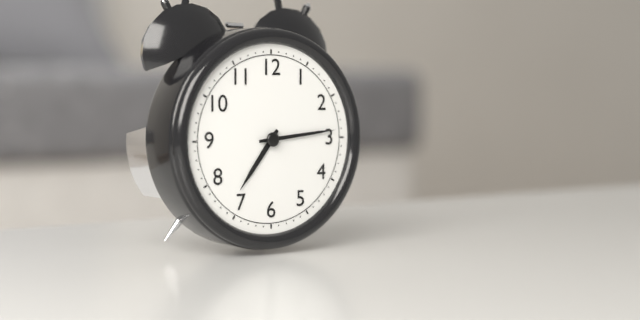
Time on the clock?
7:14
